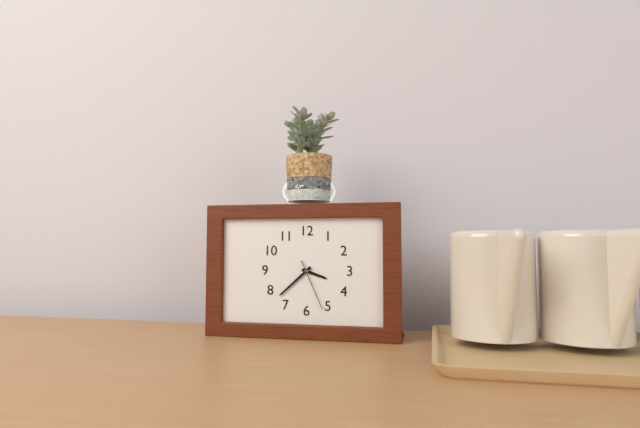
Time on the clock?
3:38:26
